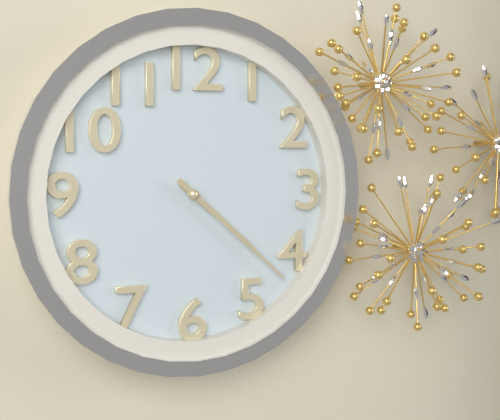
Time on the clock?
4:22
